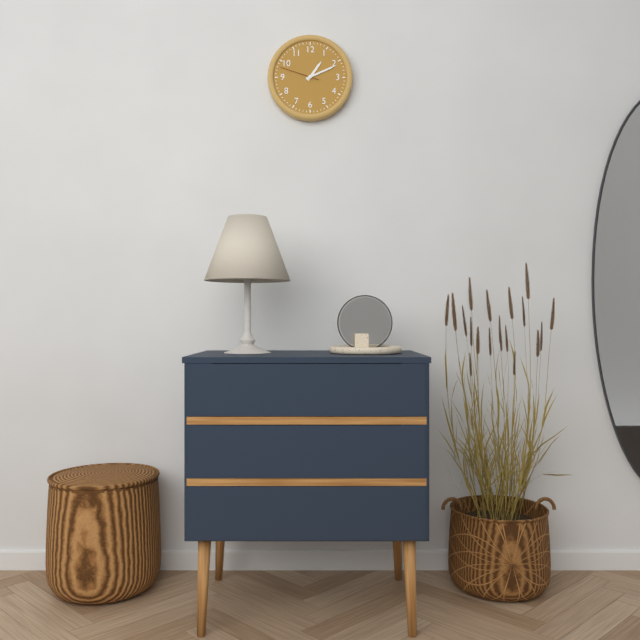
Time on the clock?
1:11
